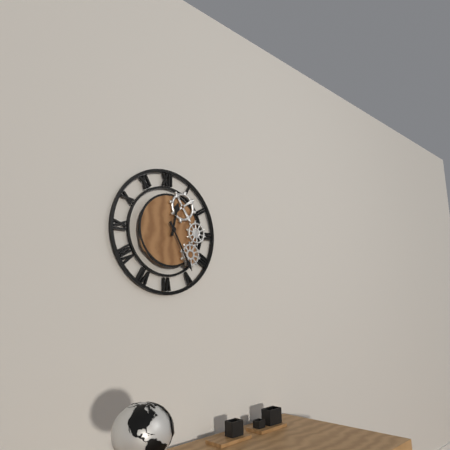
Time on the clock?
12:25
